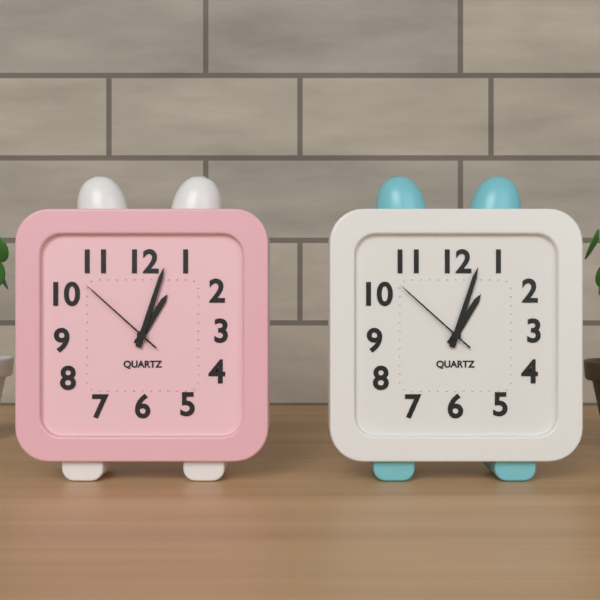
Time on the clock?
1:03:52
